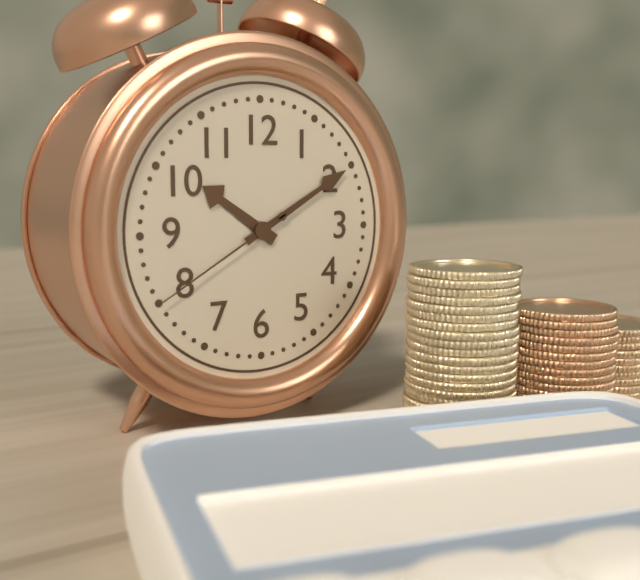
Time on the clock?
10:10:40
